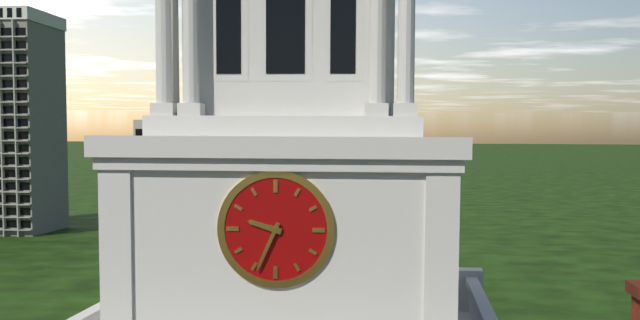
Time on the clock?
9:34
